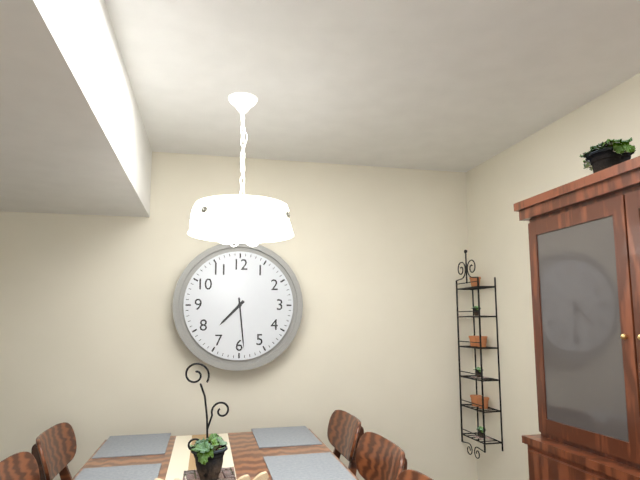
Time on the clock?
7:29
